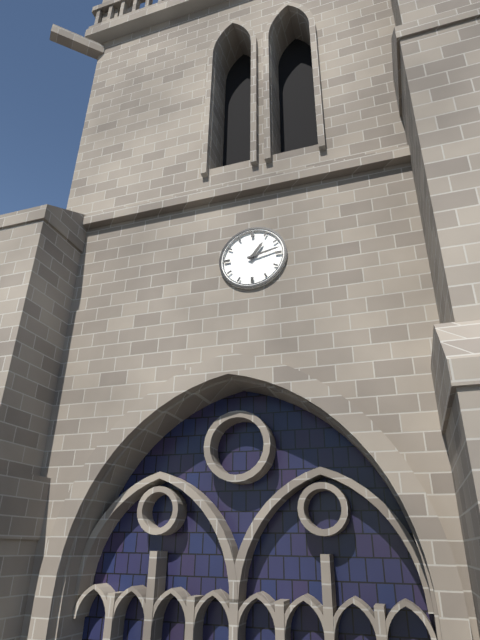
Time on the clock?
1:13
